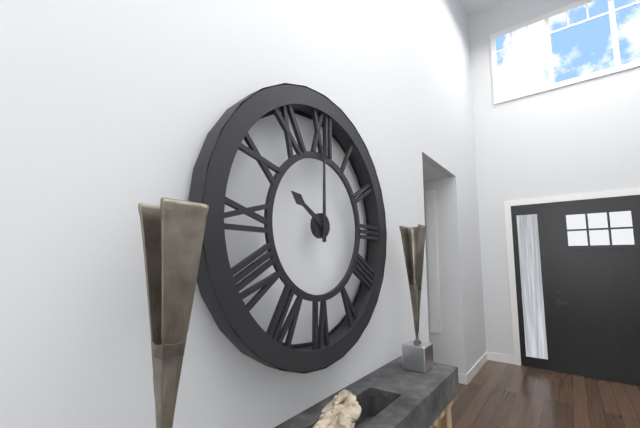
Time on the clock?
10:00
